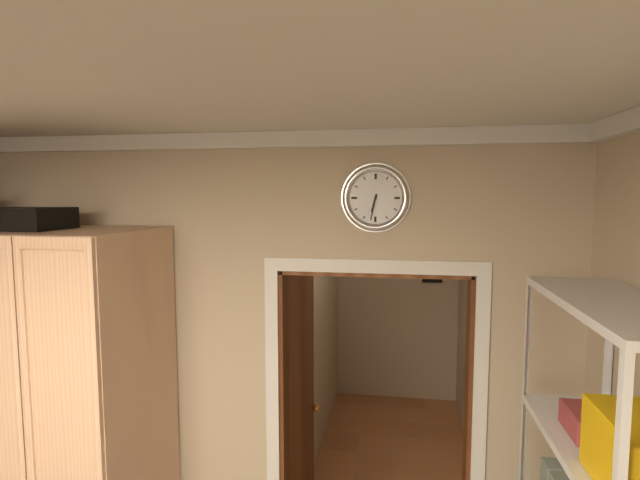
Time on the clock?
6:32
